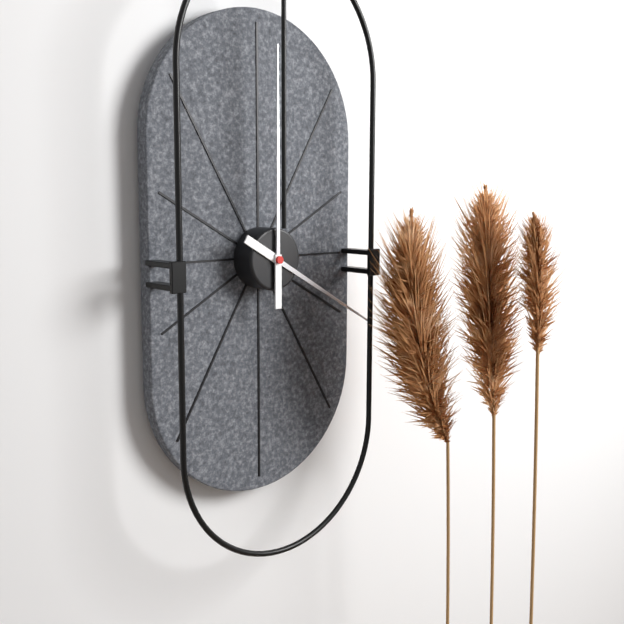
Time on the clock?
4:00
